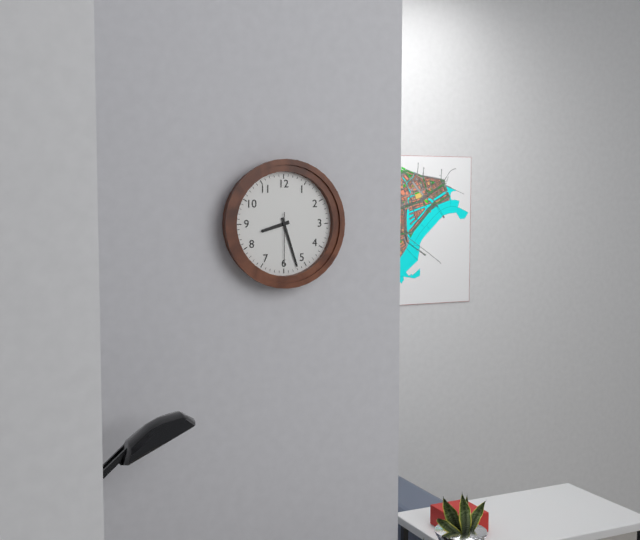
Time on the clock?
8:27:30
